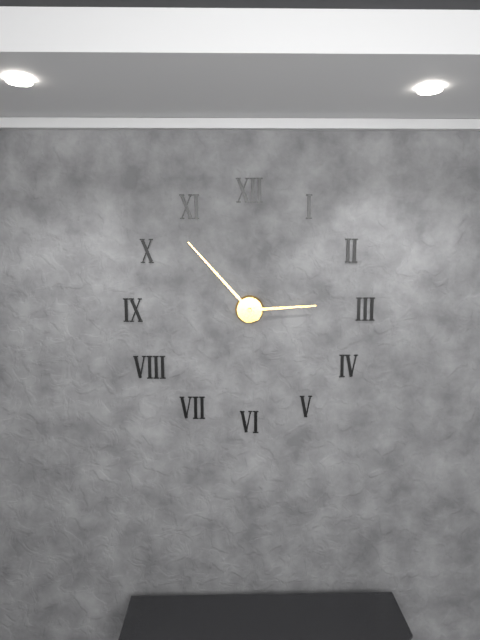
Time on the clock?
2:53
